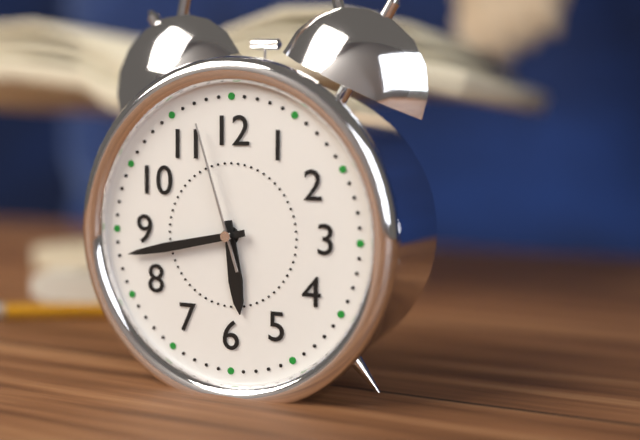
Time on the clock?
5:43:57
